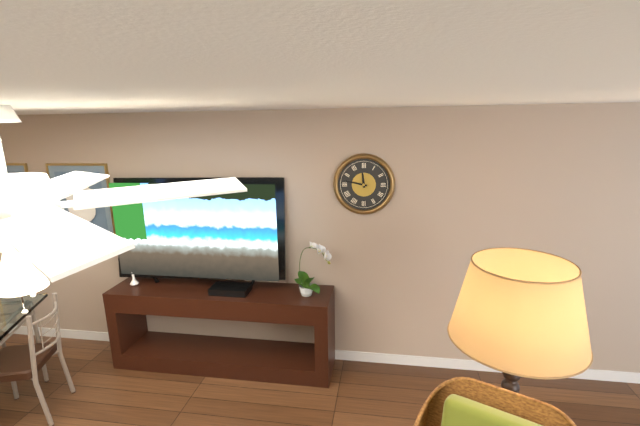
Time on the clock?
11:47
